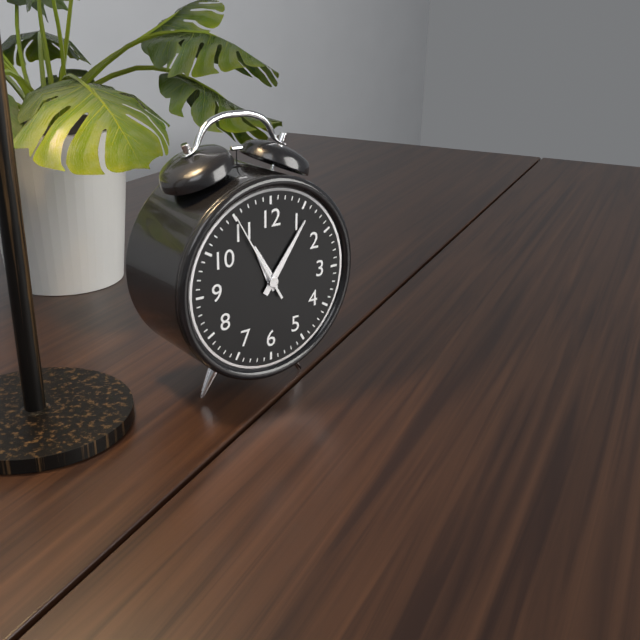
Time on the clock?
11:06:55
